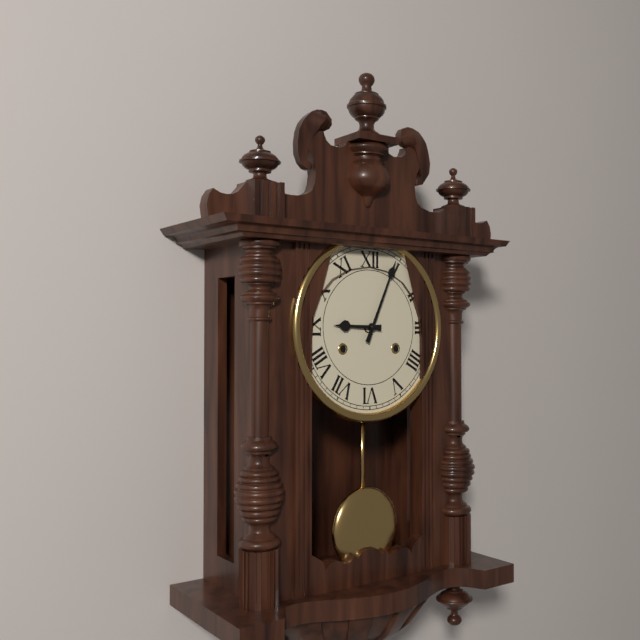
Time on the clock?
9:04
